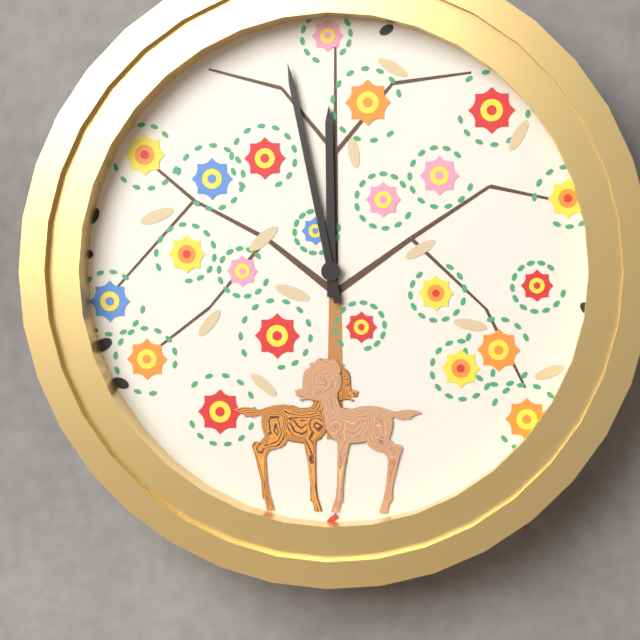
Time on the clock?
11:58
